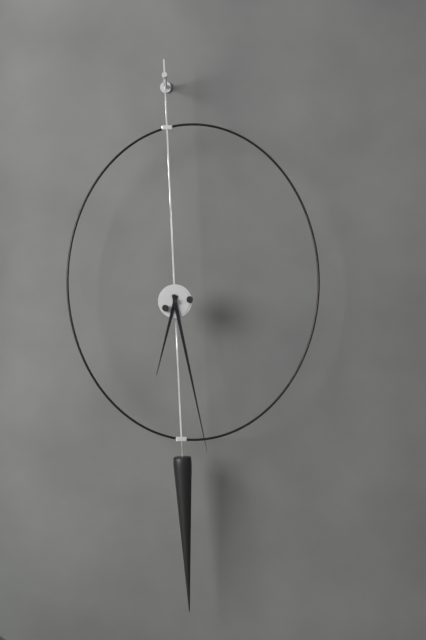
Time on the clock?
6:28
